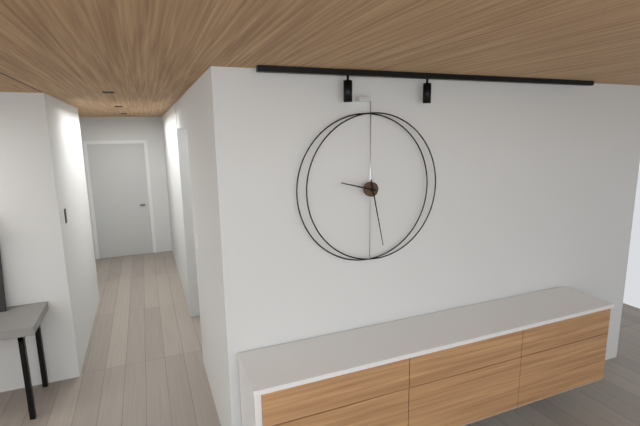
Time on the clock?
9:28
